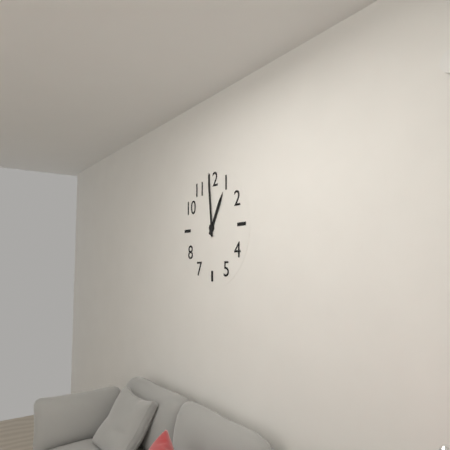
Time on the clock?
12:59
